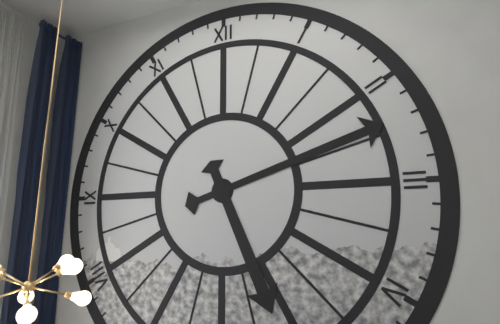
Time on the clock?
5:12
